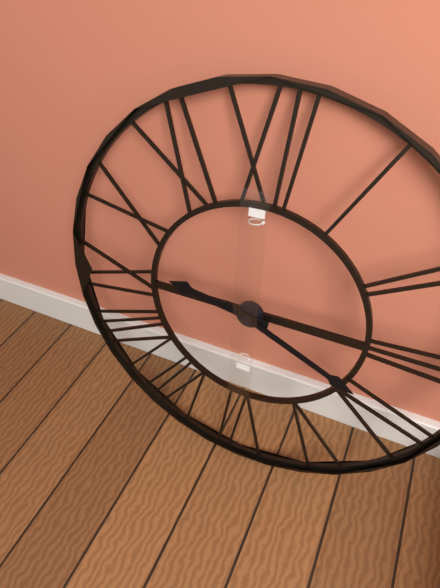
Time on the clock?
9:19
